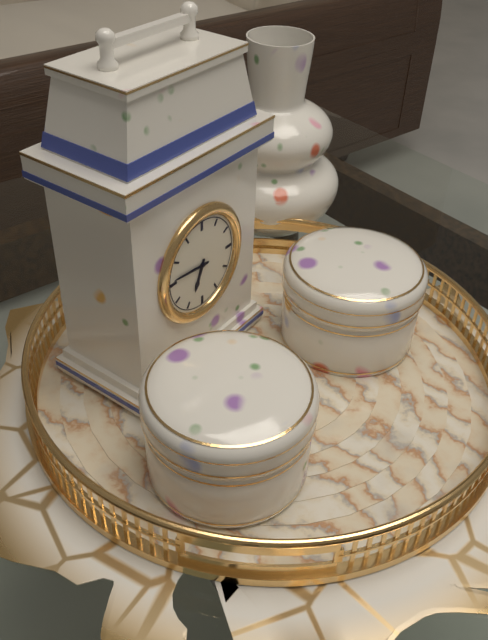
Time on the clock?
6:46
